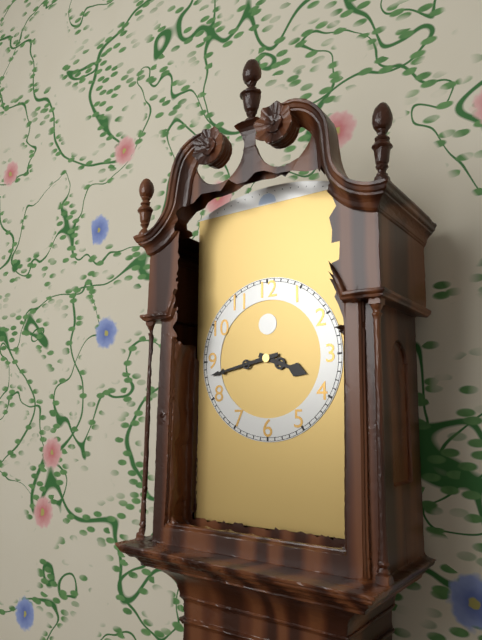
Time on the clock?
3:43
